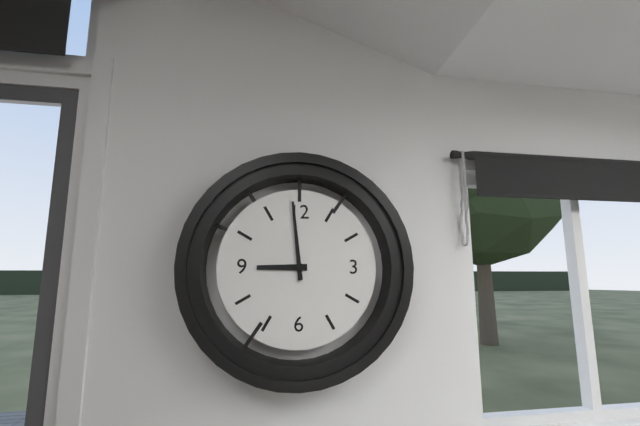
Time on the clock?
8:59
